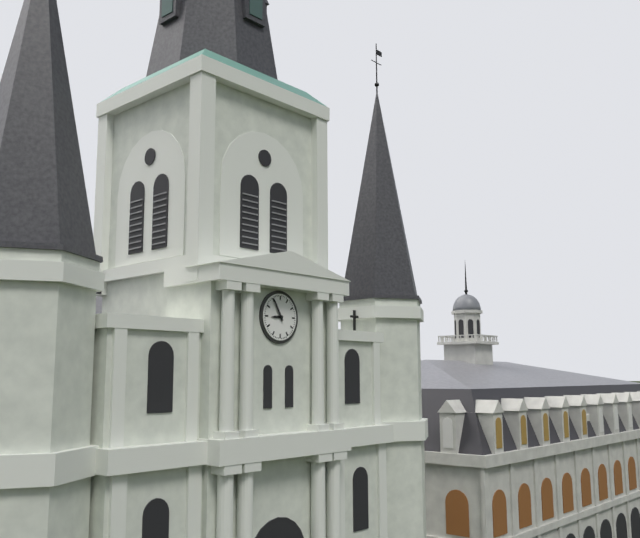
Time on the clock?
8:55
